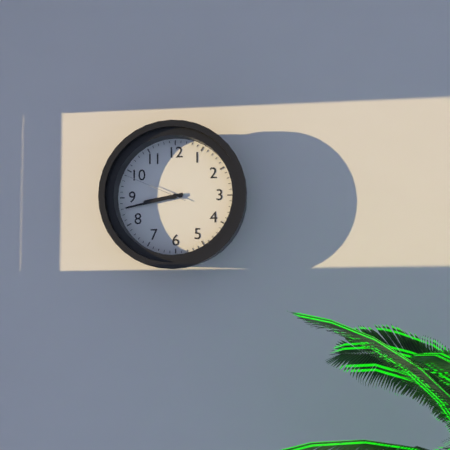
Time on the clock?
8:43:49
